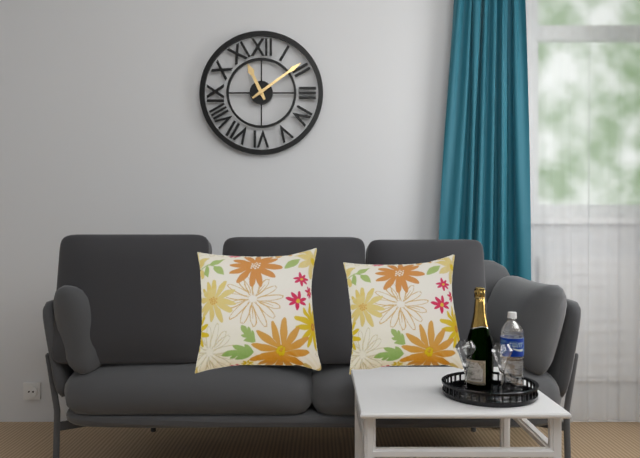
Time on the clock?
11:09
